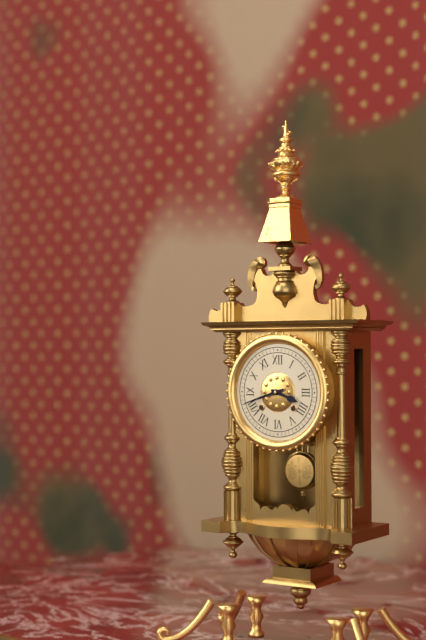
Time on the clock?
3:42
